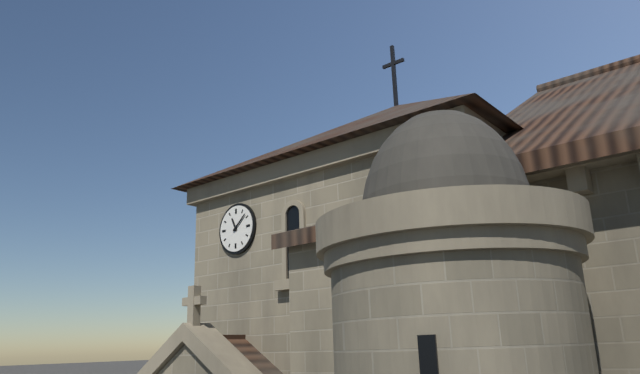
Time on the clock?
11:08
